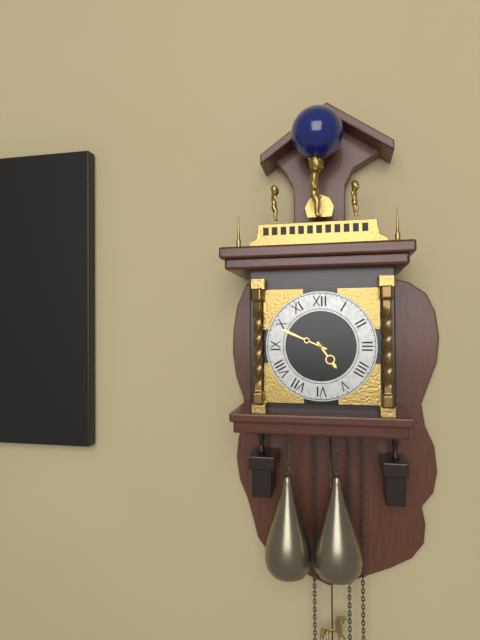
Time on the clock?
4:49
